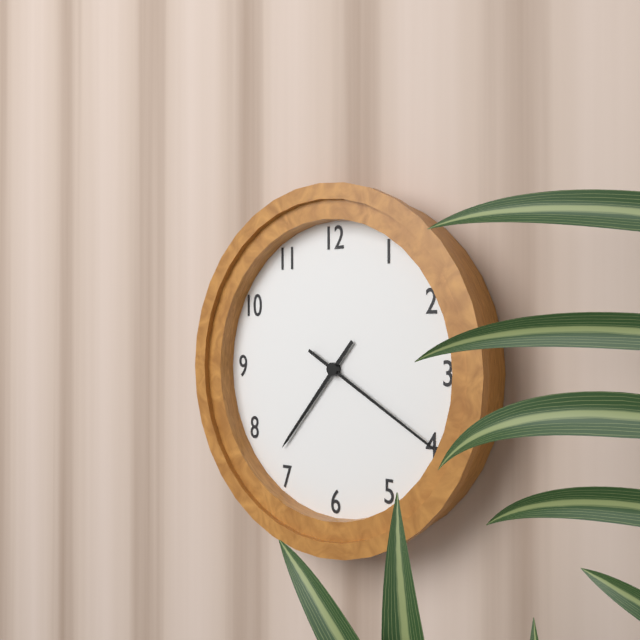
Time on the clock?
7:20
